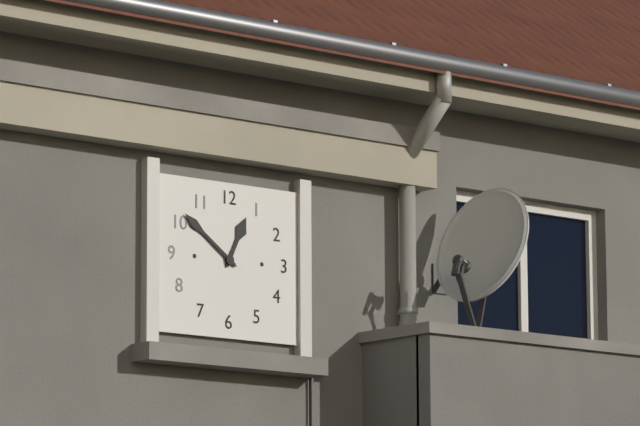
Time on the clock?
12:51
